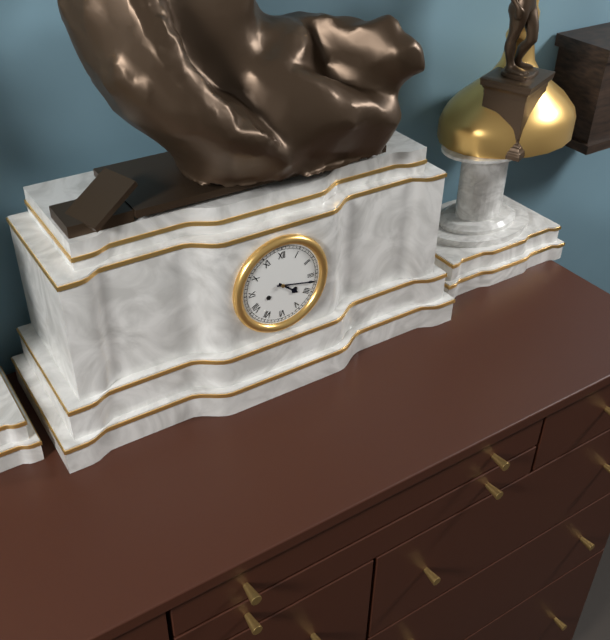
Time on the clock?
4:17
